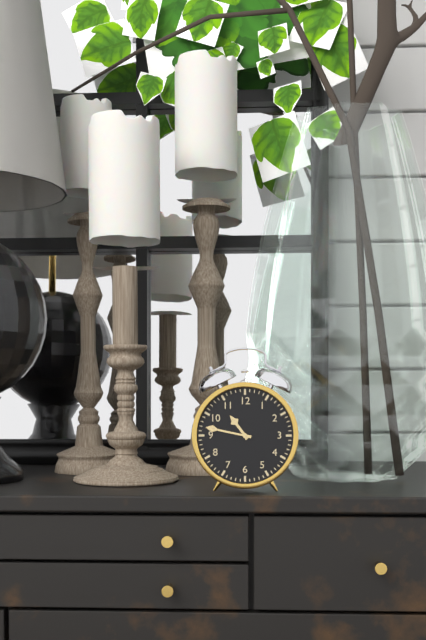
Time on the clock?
10:47
